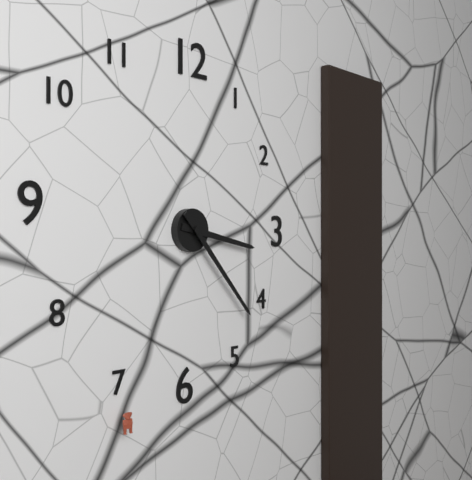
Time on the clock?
3:23
